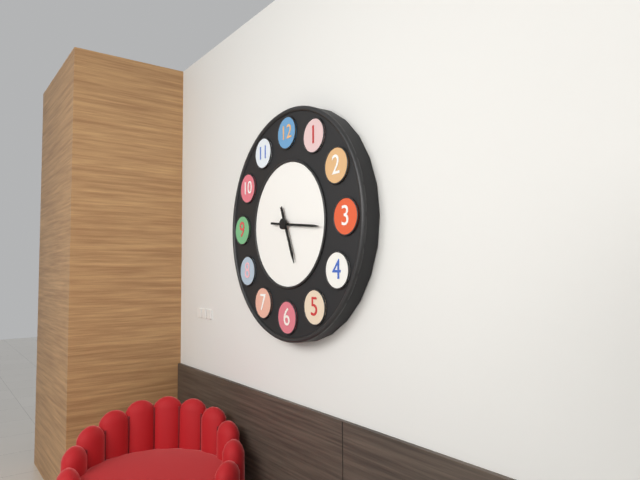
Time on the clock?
5:16
